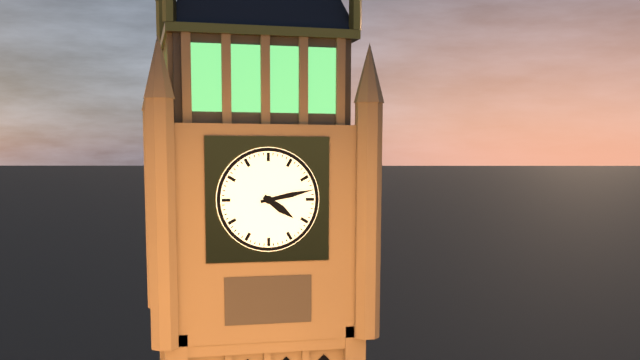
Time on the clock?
4:13
